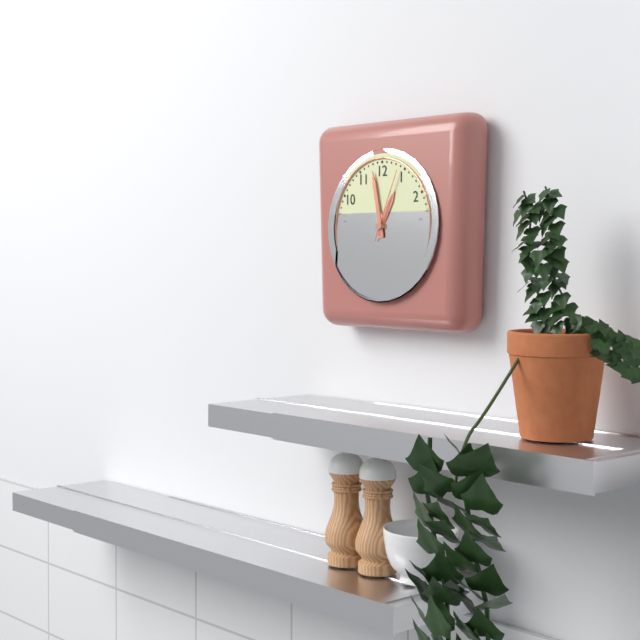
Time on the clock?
12:58:04
